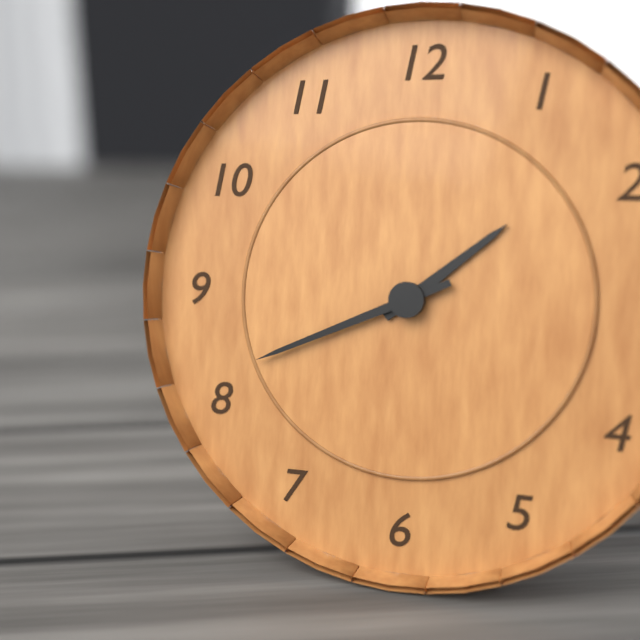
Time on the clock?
1:41
